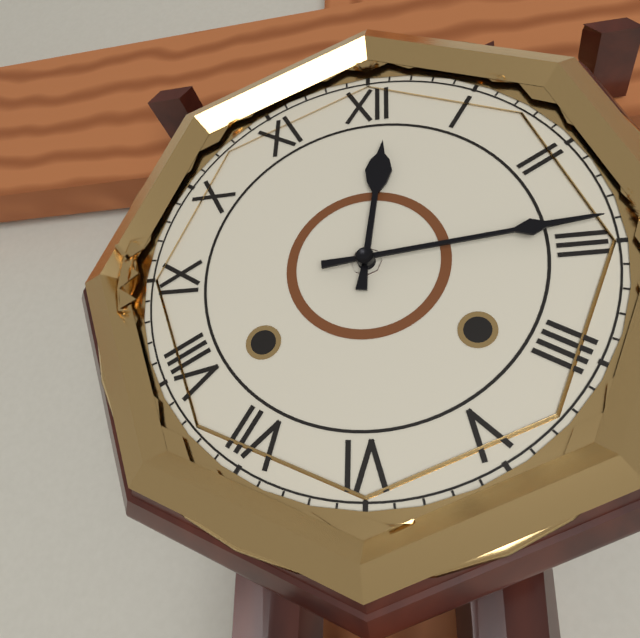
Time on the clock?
12:14
